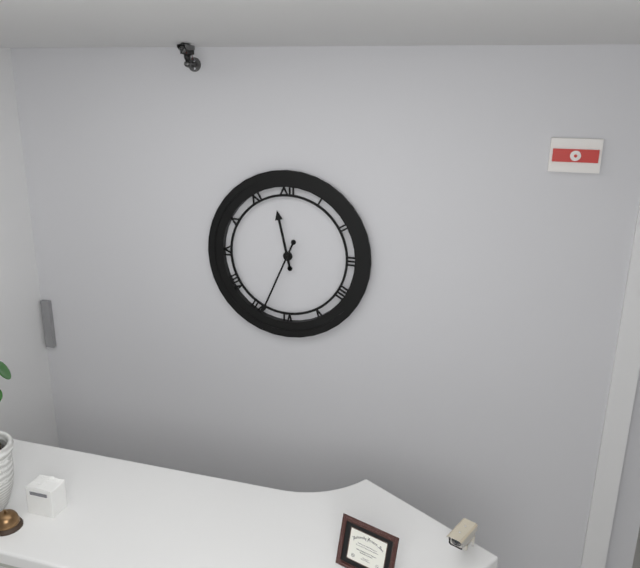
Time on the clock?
11:34
